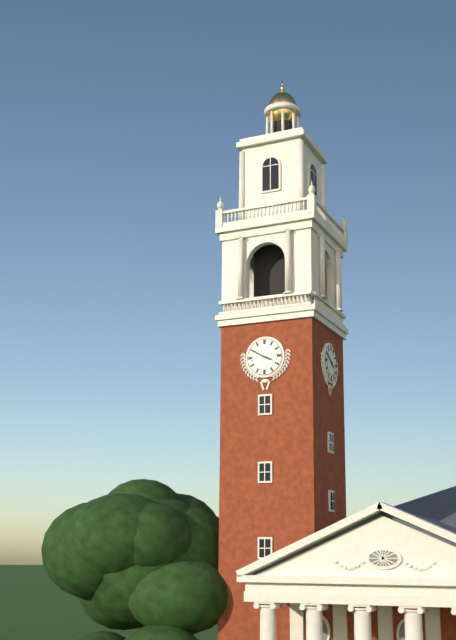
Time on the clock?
3:50
